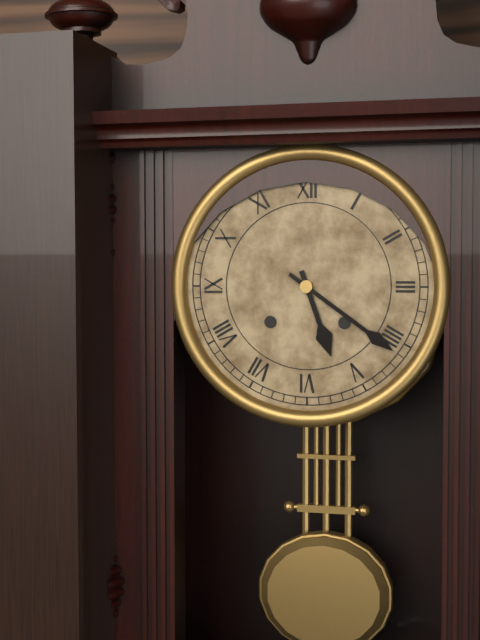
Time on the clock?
5:21
